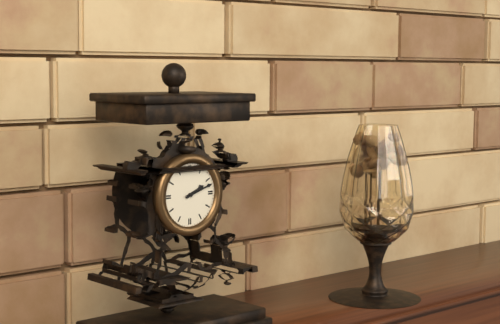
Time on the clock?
2:12
